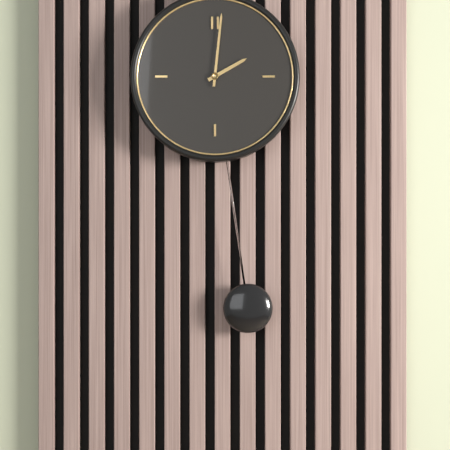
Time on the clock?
2:01
